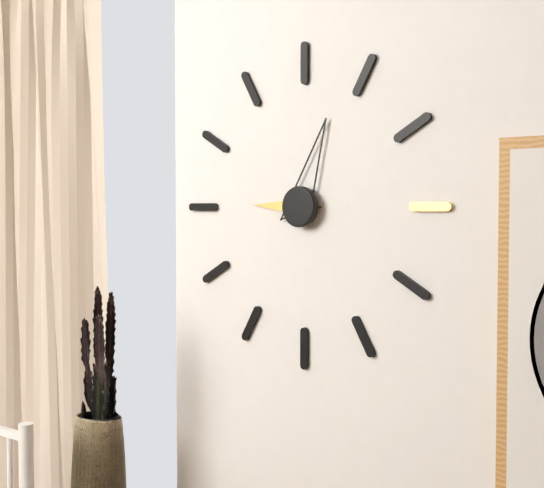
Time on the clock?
9:03
